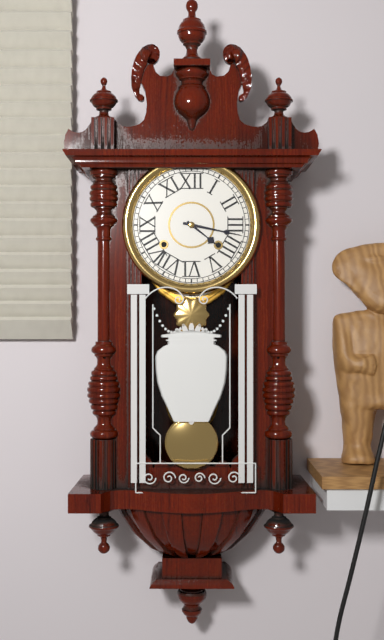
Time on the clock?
4:17
